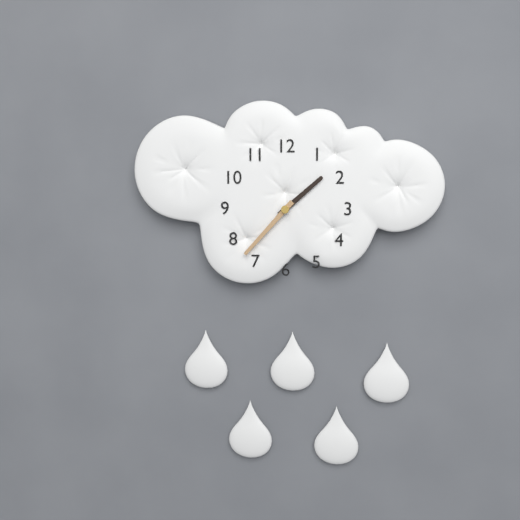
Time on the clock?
1:37
